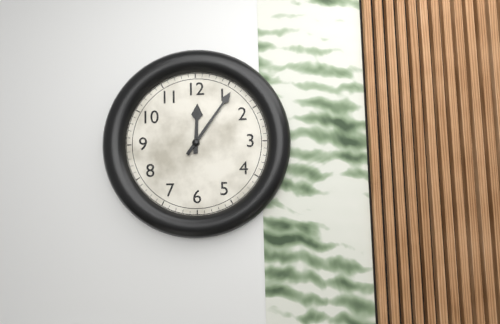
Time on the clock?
12:06
